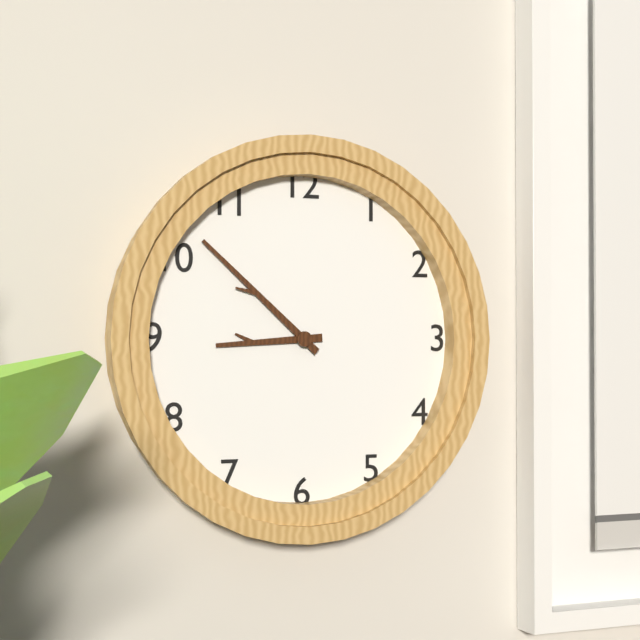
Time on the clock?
8:52
